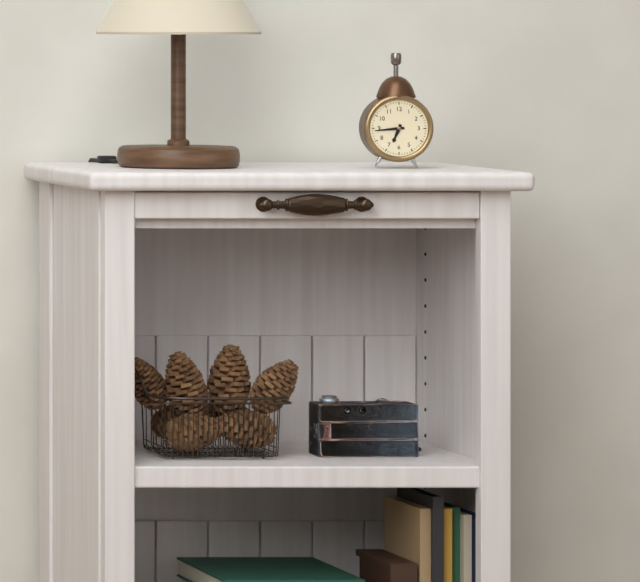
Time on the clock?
6:44
